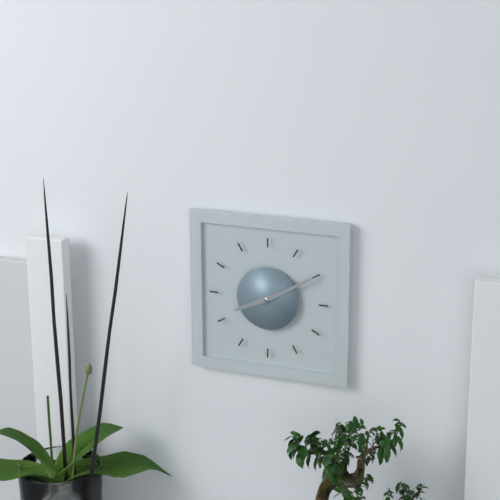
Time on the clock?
8:10
